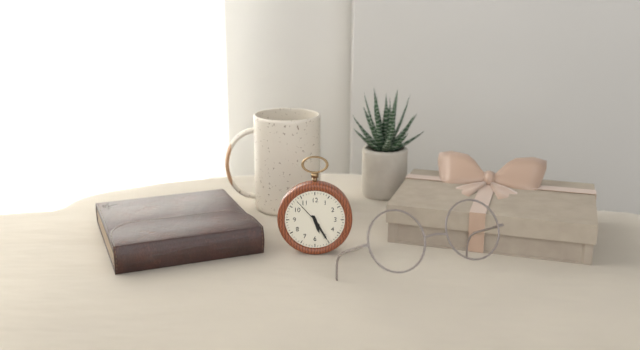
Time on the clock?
5:25
